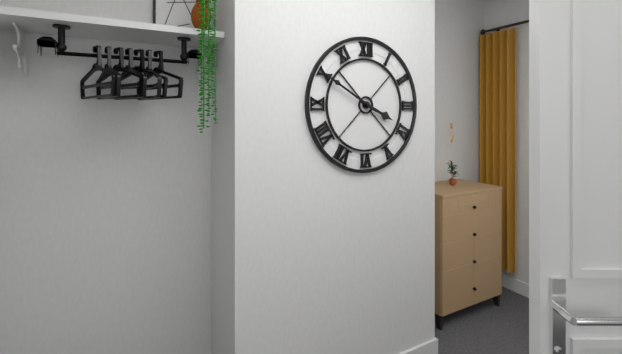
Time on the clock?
3:50
